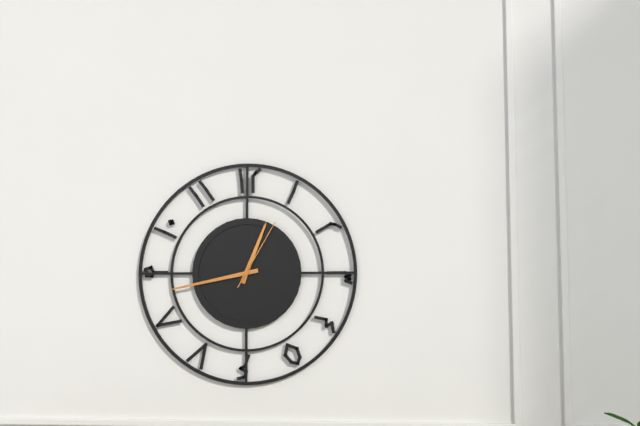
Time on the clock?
12:43:05
